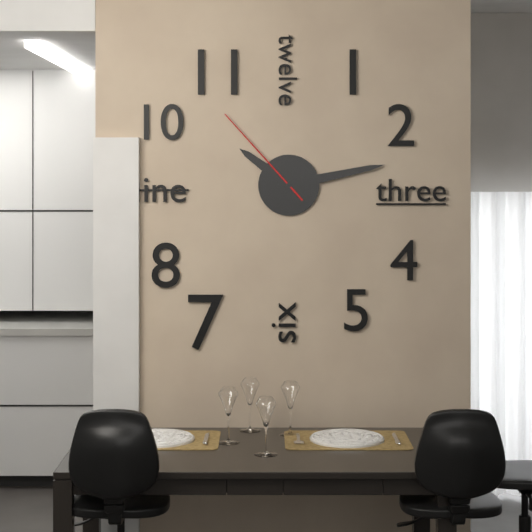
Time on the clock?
10:13:53
